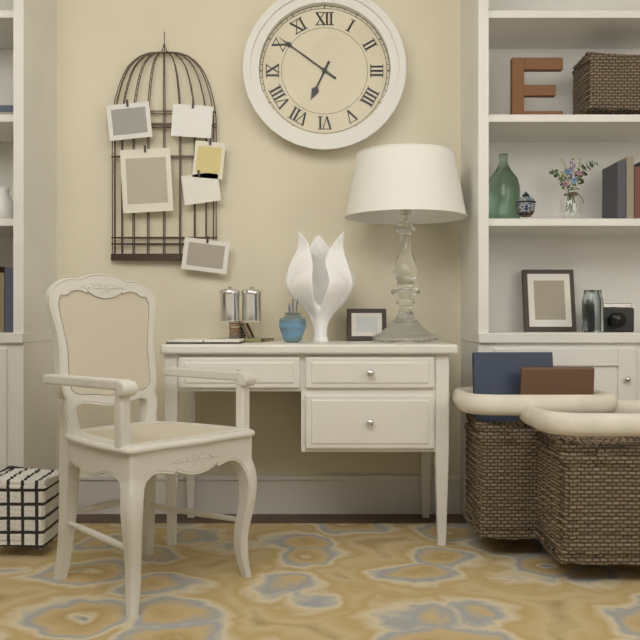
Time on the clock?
6:51
